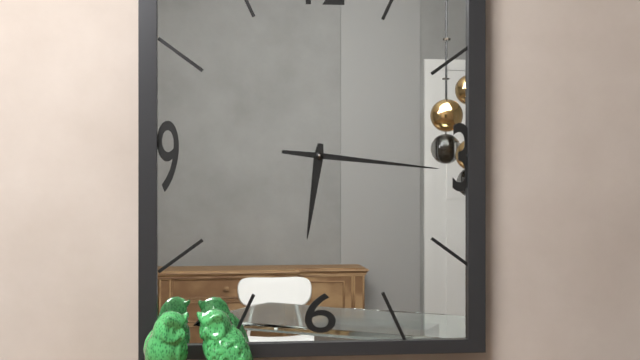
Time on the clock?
6:16
